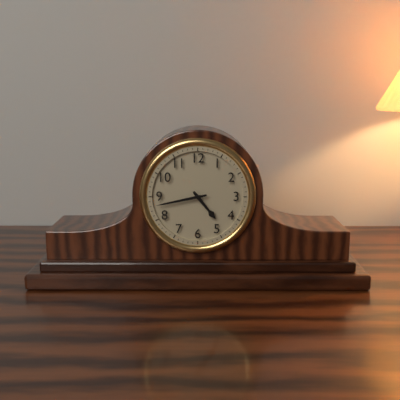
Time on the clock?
4:43
